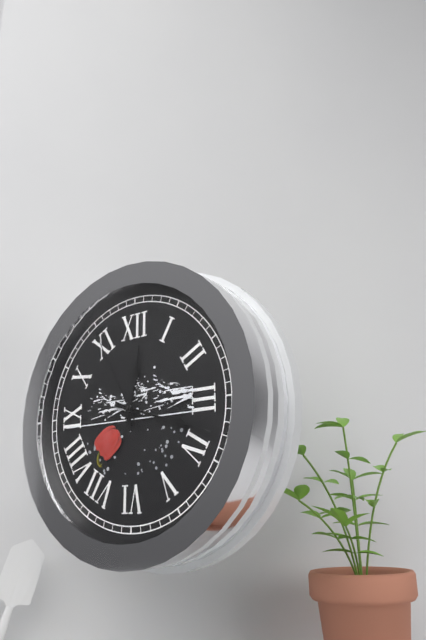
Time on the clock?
12:18:55
